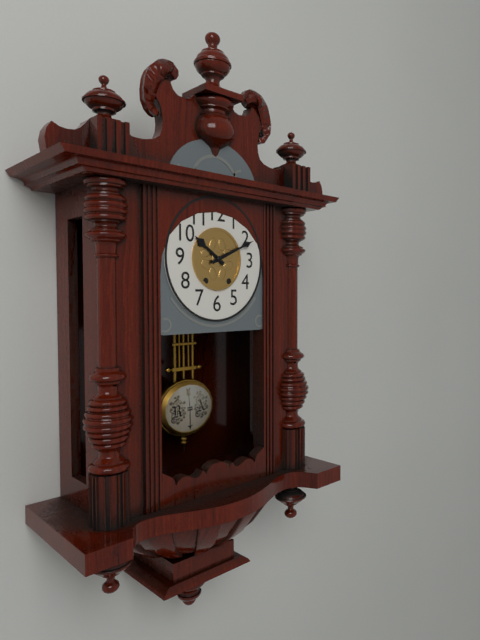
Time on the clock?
10:11
